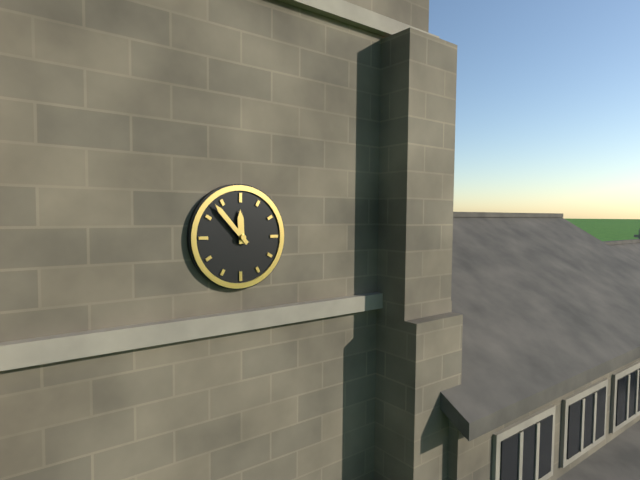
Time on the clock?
11:53
